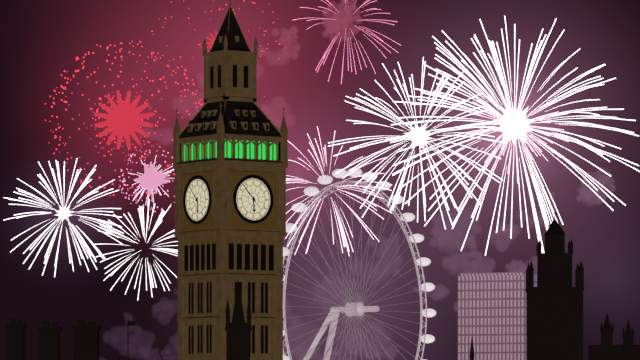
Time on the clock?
5:53
